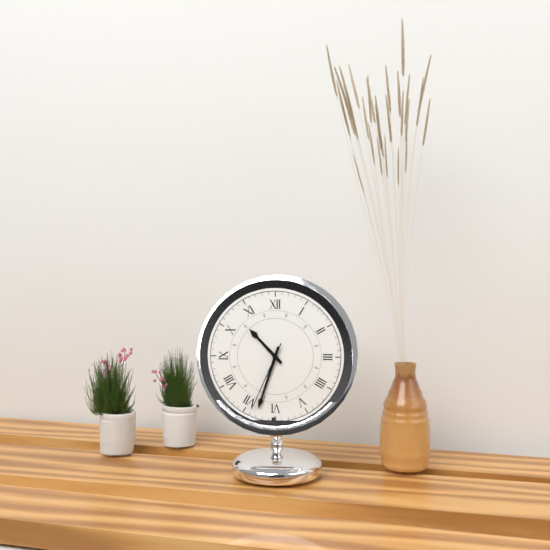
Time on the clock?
10:33:34
